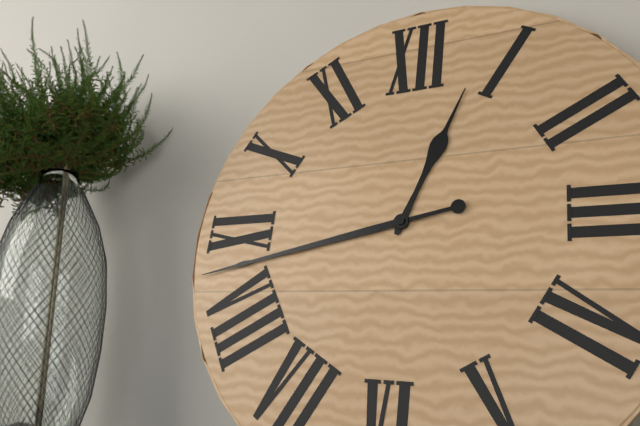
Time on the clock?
12:43
